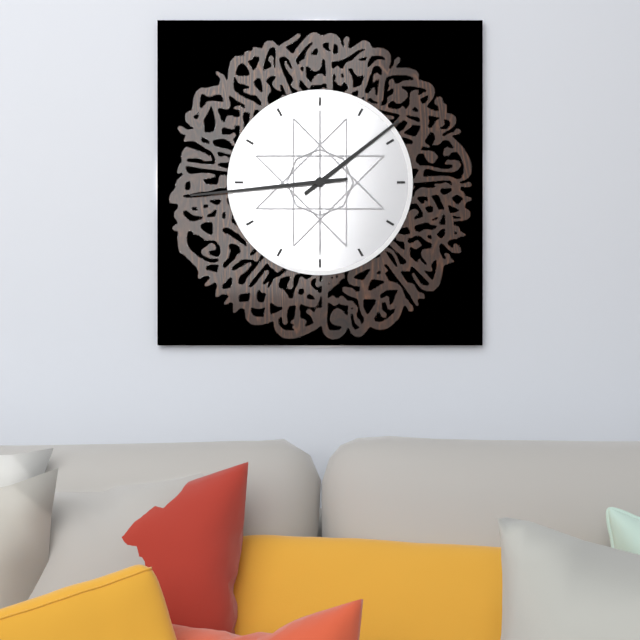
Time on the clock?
1:44
